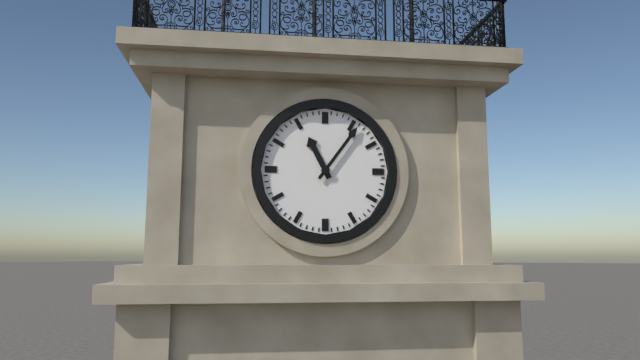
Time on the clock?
11:06
